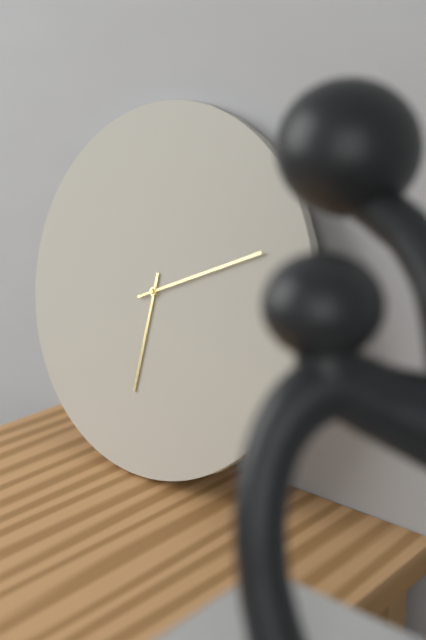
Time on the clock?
6:11
